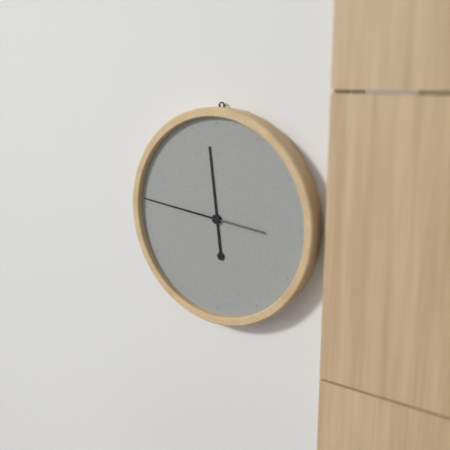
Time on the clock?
11:46
